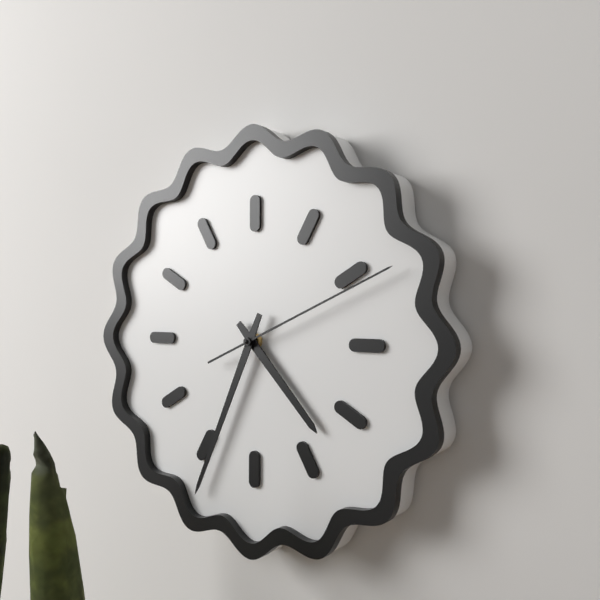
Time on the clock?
4:34:11
